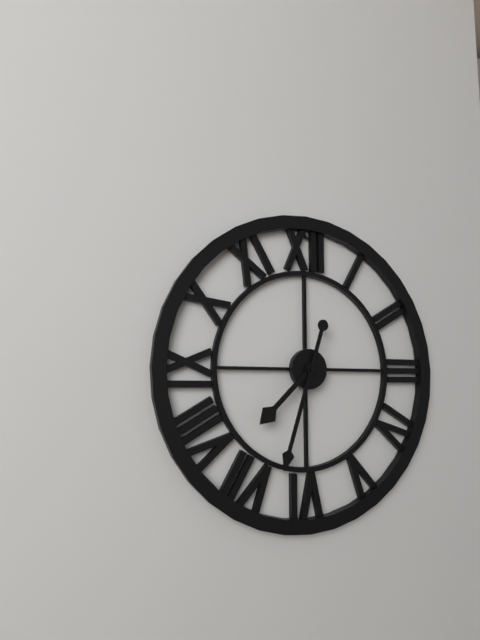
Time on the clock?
7:33
